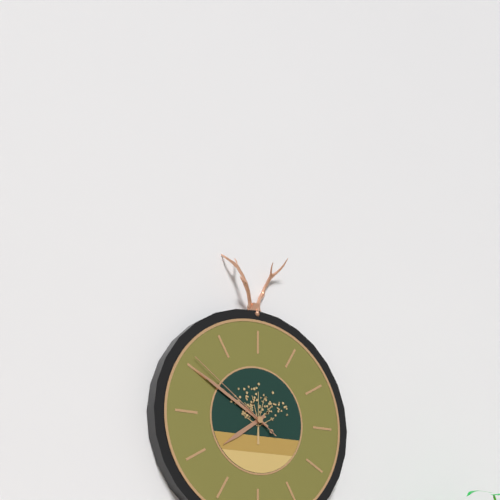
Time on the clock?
7:50:51
